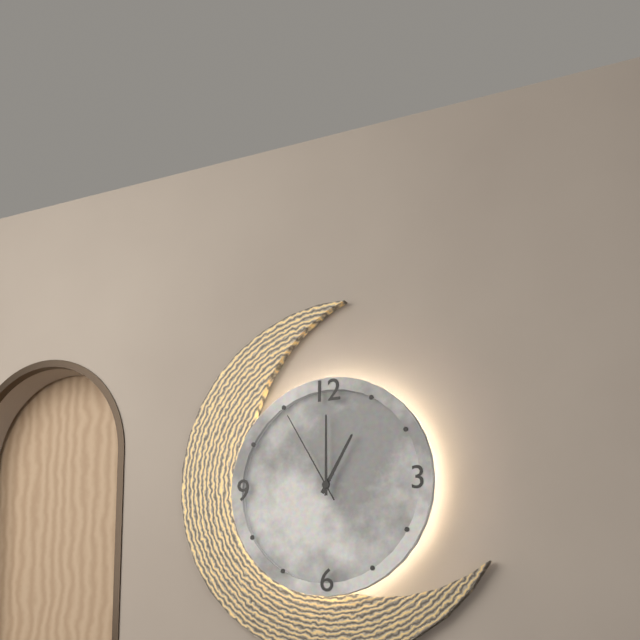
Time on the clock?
1:00:55
